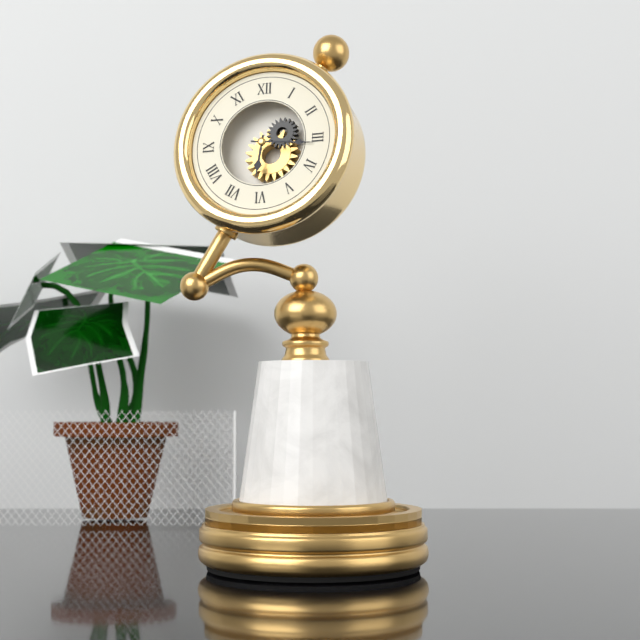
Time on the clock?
6:16
